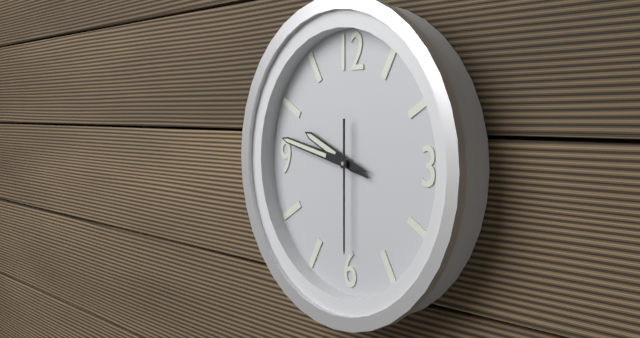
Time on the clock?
9:47:30
